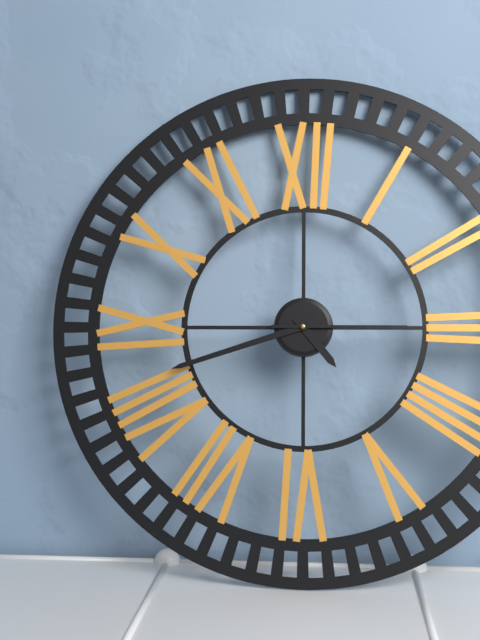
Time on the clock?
4:42:15
